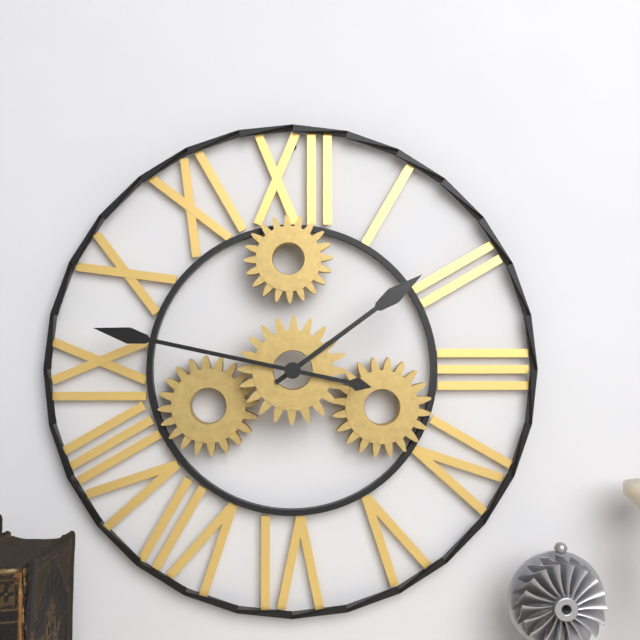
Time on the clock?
1:47
